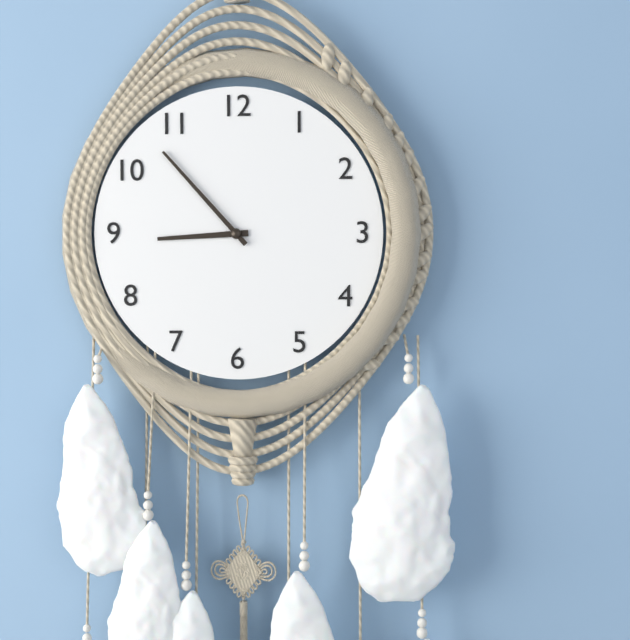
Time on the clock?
8:53
